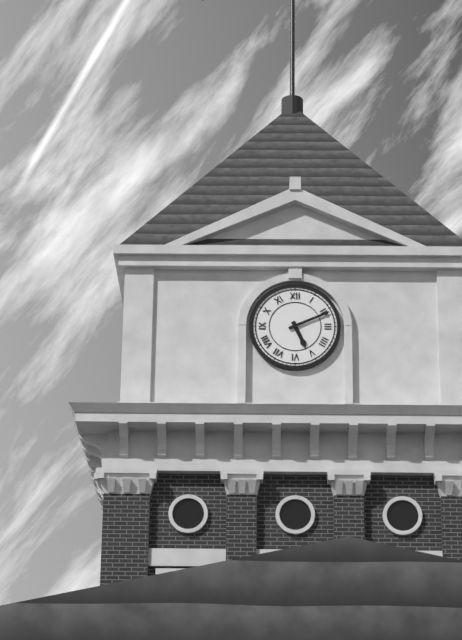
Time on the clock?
5:11
